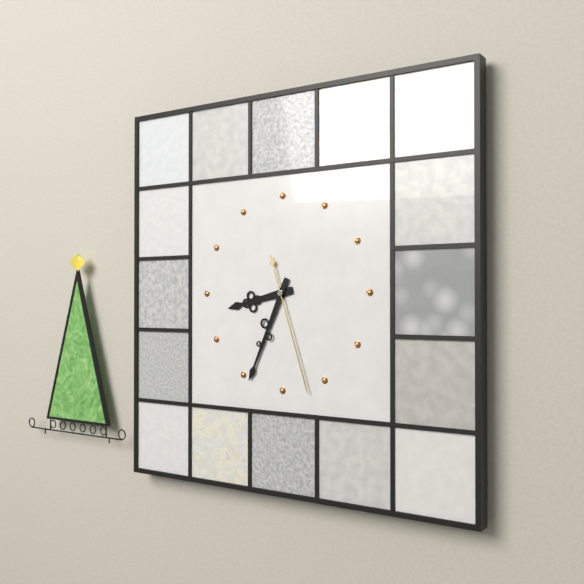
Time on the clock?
8:34:27
